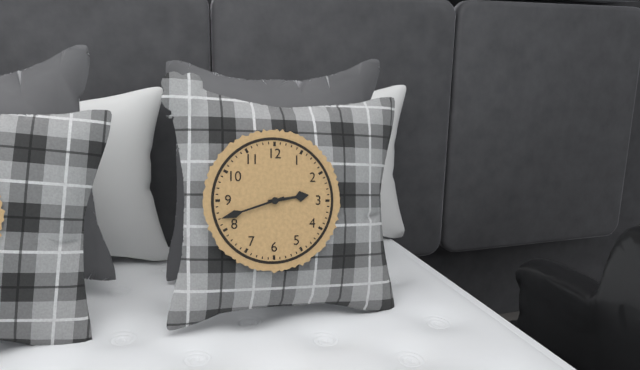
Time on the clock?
2:42
